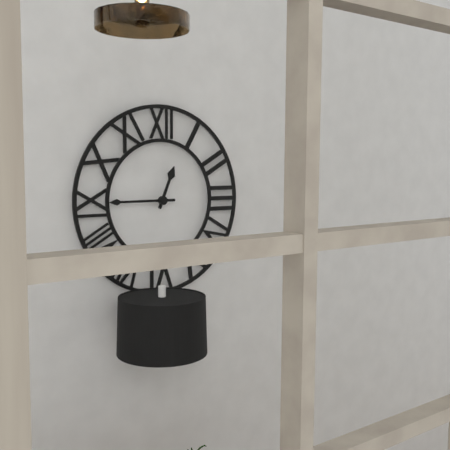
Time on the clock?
12:45
